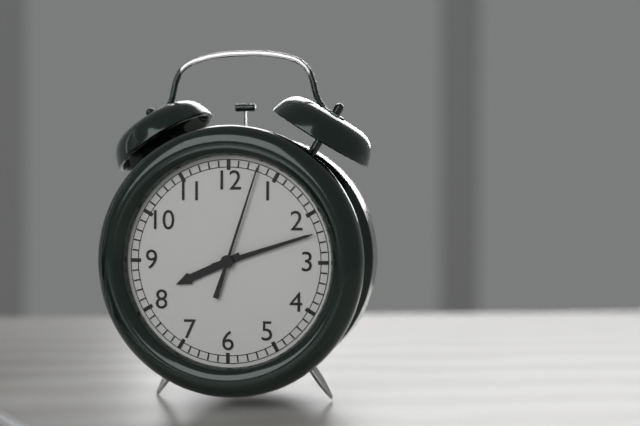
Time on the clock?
8:12:03
